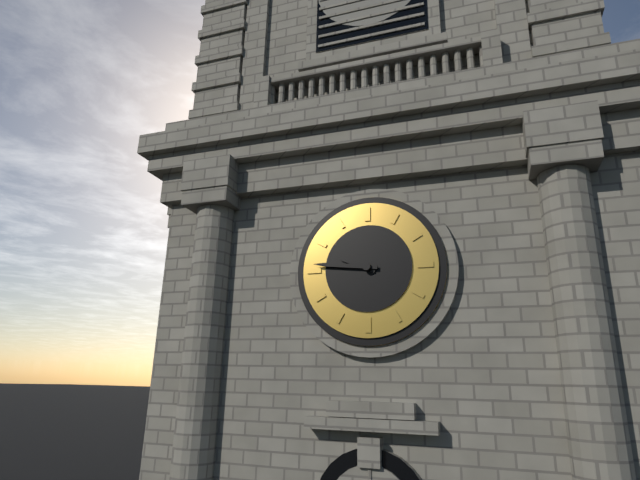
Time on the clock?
9:46
